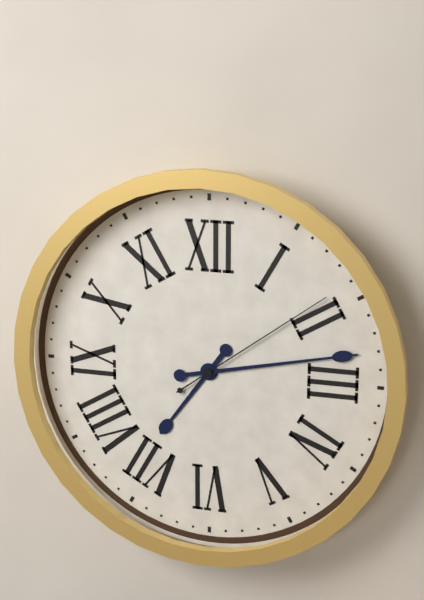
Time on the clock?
7:13:09
